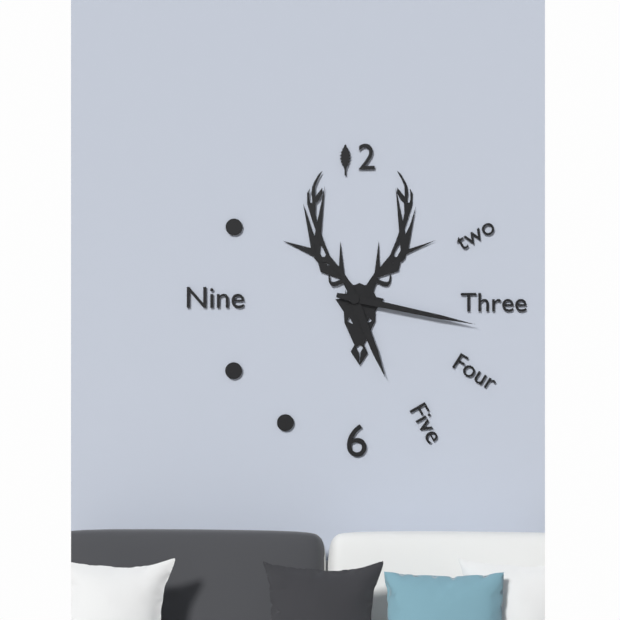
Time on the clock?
5:17
